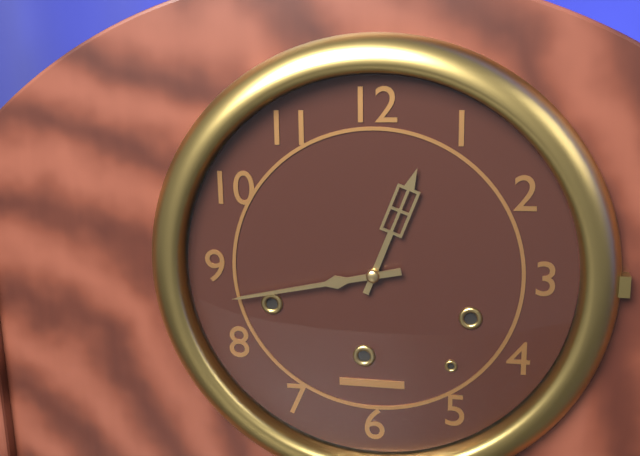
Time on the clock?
12:43
